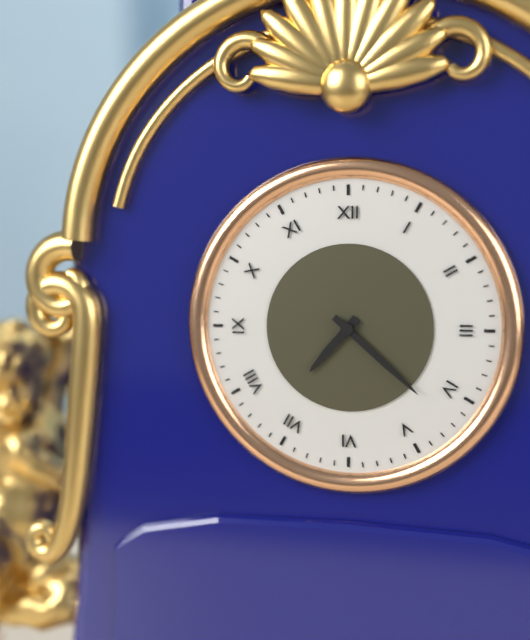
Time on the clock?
7:22
